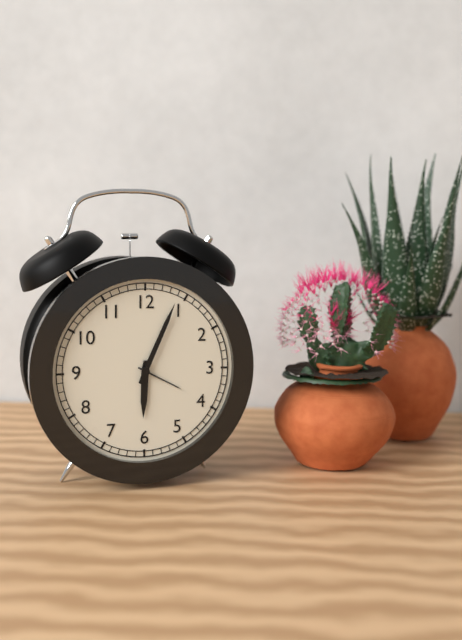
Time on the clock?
6:04
